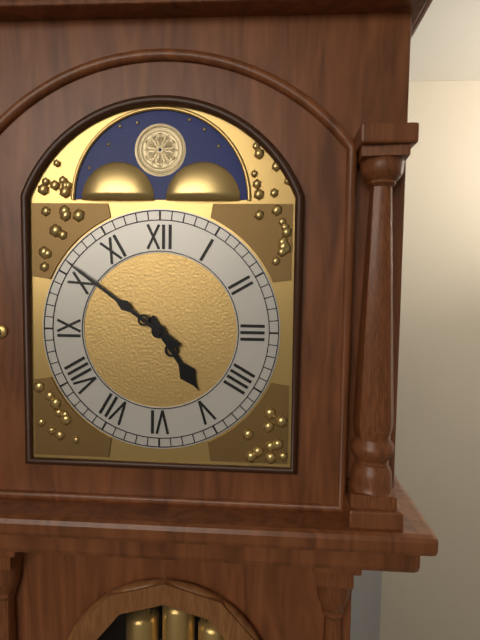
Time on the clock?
4:51
